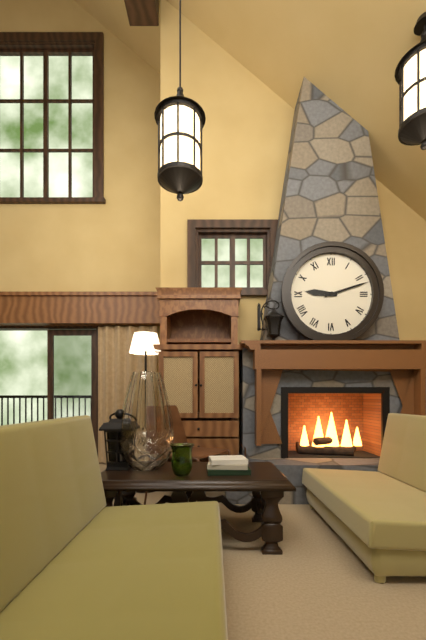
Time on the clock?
9:12
